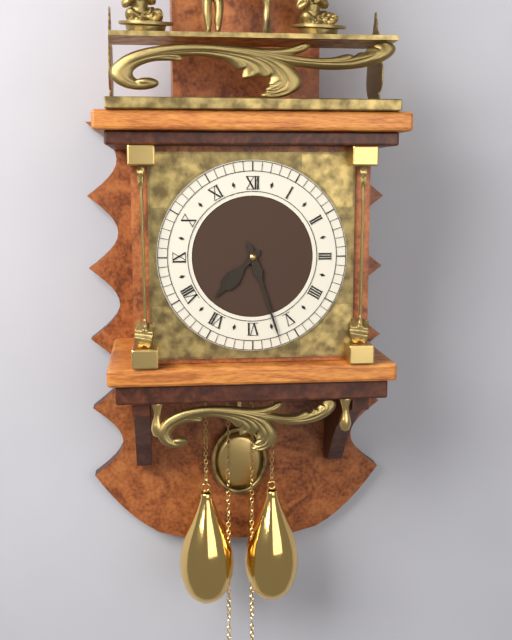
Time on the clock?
7:27
